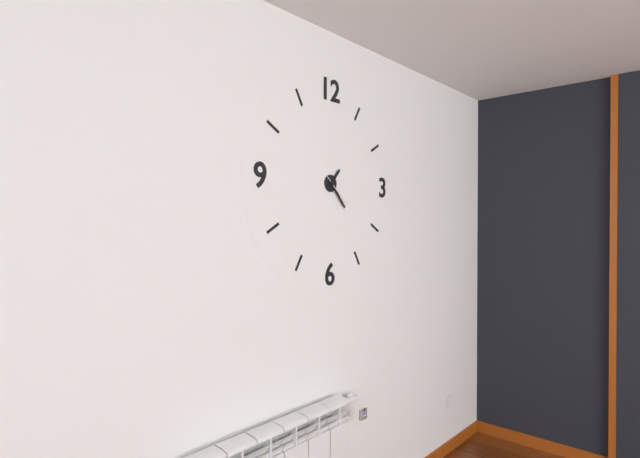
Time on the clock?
1:23
